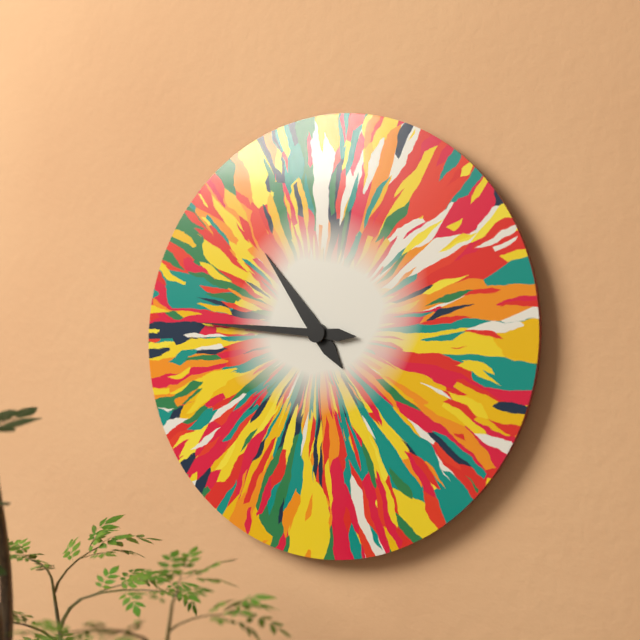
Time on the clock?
10:46
